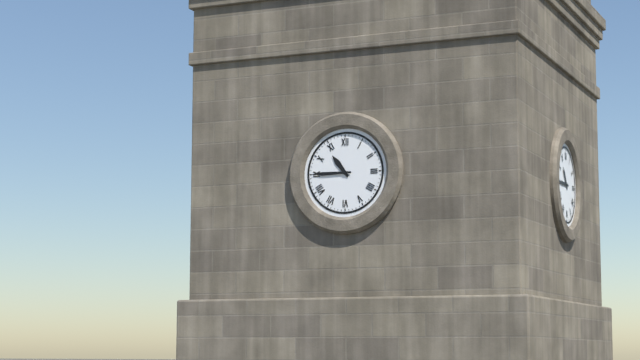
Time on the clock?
10:45
